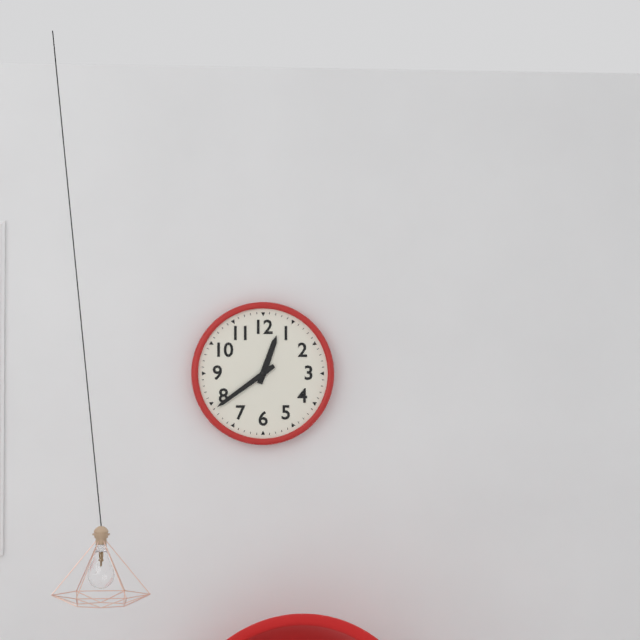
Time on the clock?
12:39
